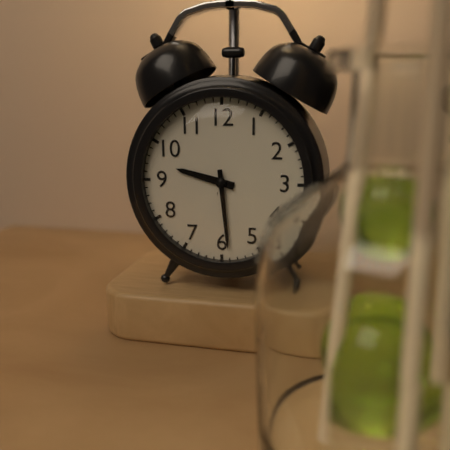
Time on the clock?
9:29
